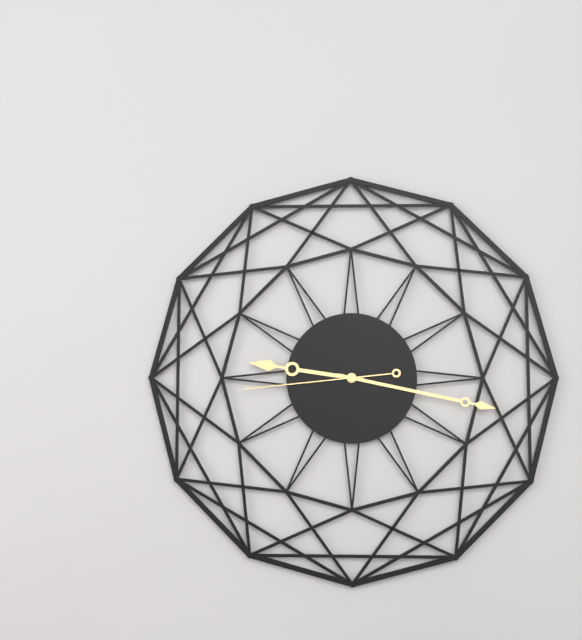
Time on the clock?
9:17:44
